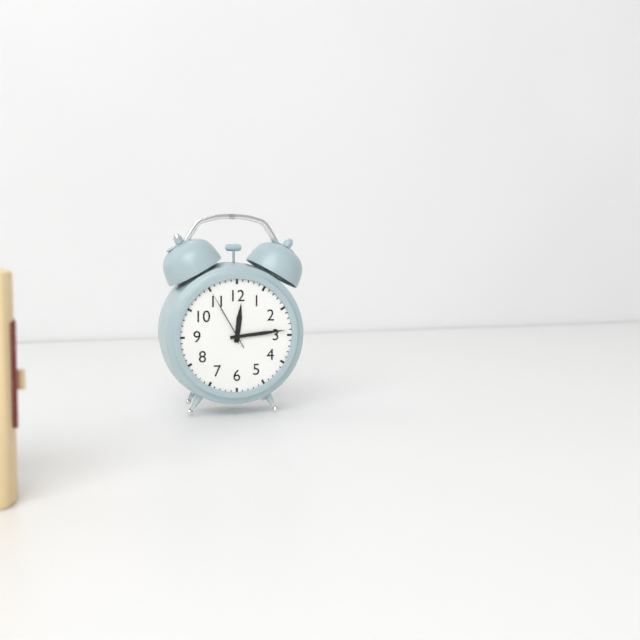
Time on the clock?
12:14:55
